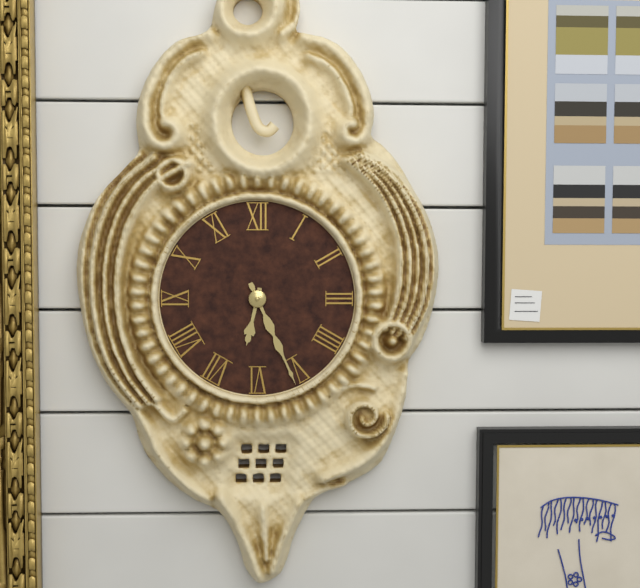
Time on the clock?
6:26
